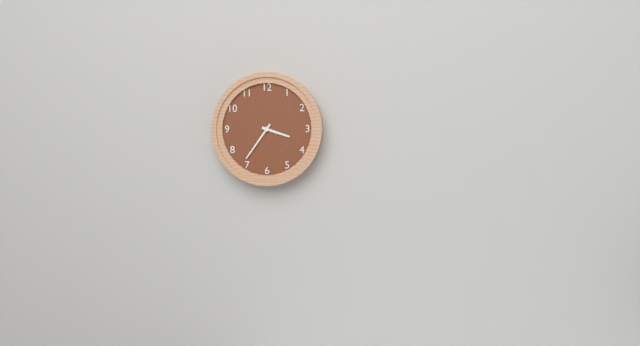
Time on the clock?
3:36
